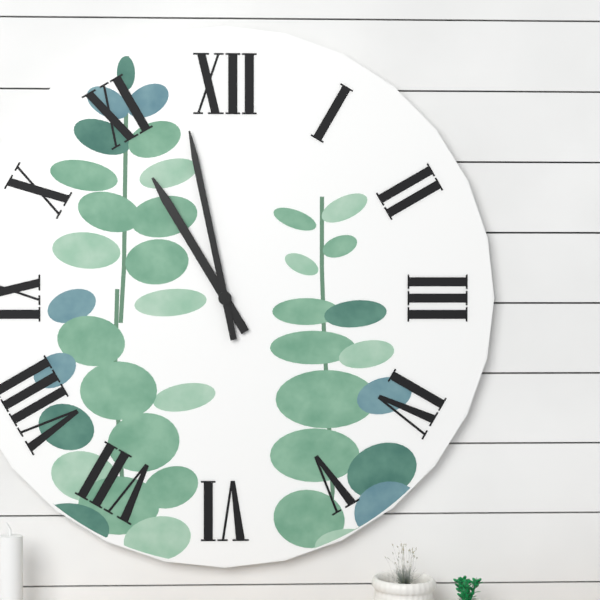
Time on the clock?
10:58
